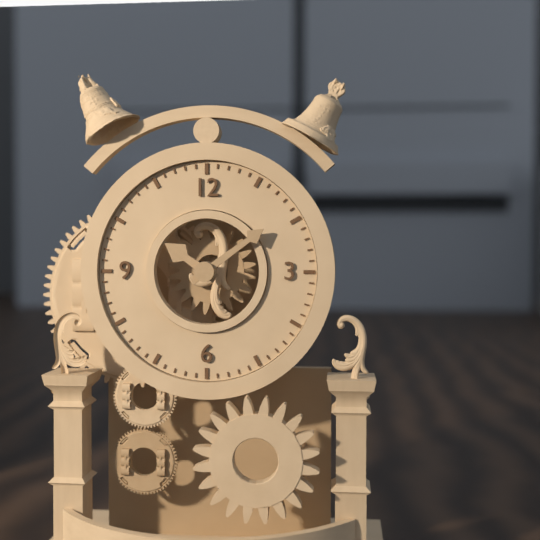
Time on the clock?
10:09
